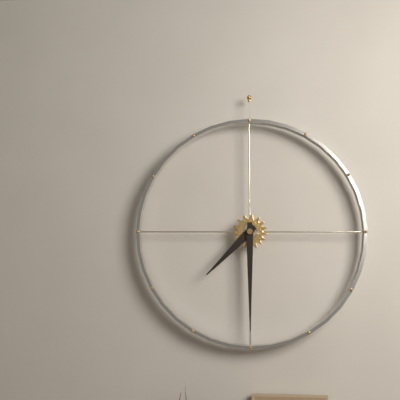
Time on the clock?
7:30
